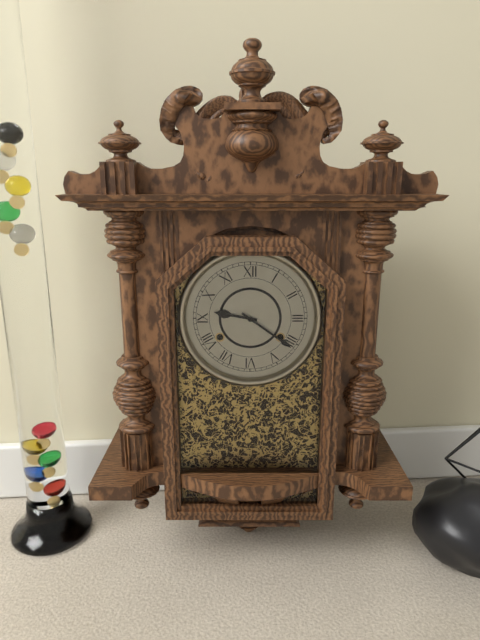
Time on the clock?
9:21
